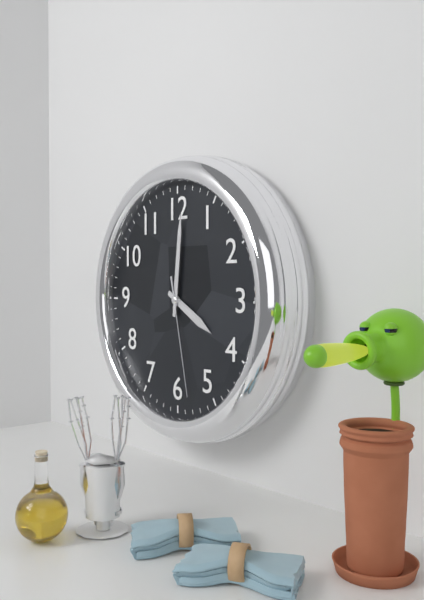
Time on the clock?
4:01:28
